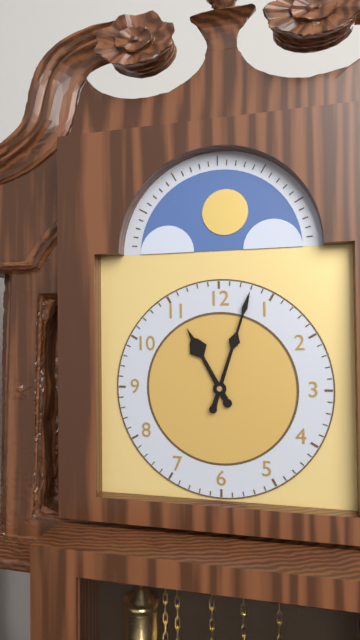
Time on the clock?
11:03
